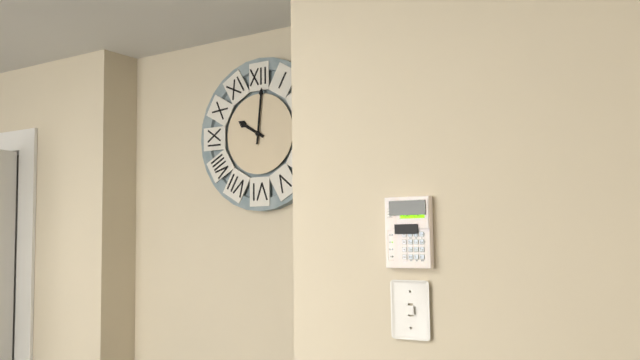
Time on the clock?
10:01
